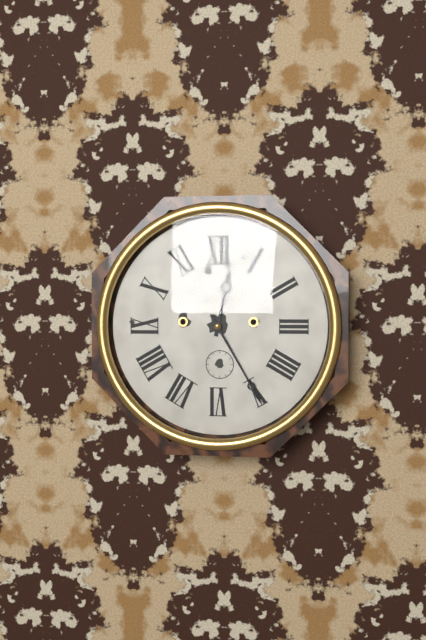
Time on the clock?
12:25
